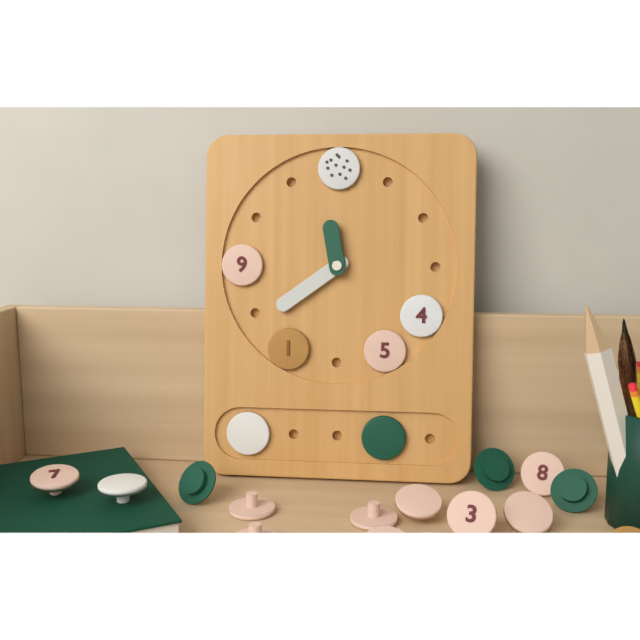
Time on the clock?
11:39
